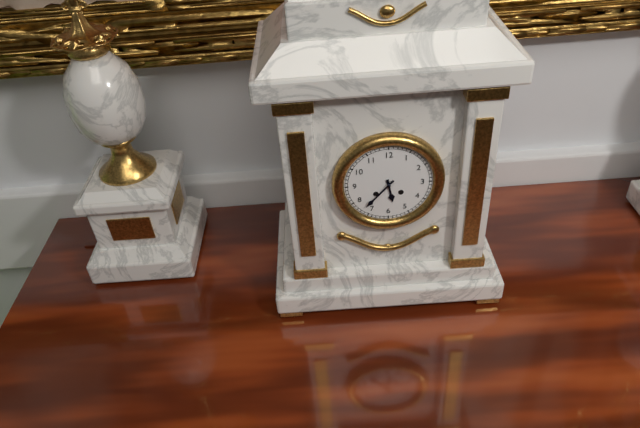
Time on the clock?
5:37
